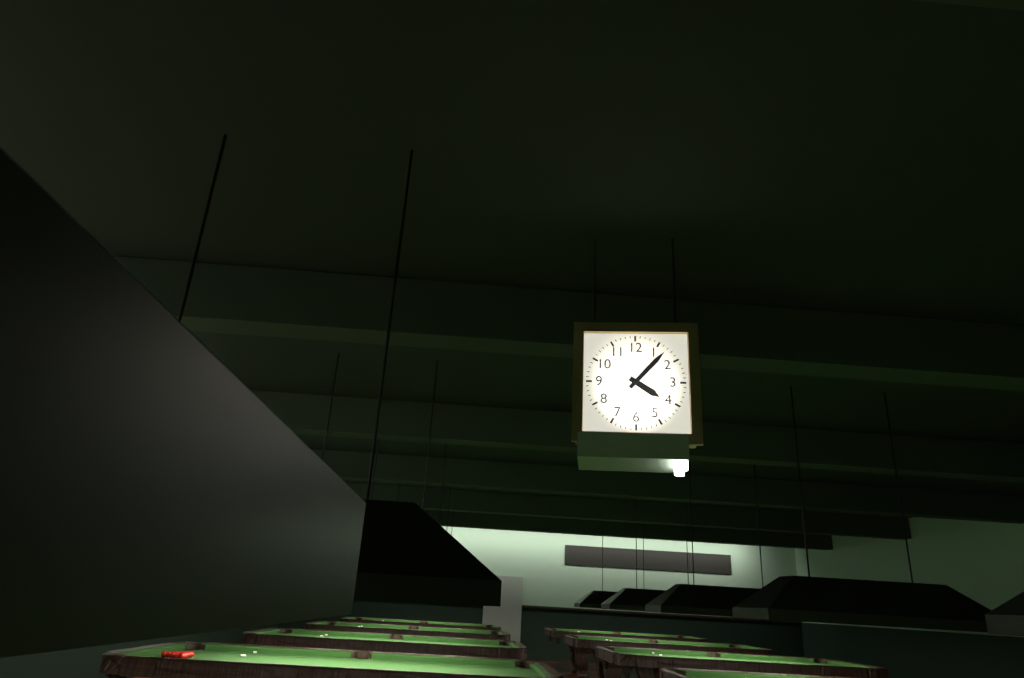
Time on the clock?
4:07
